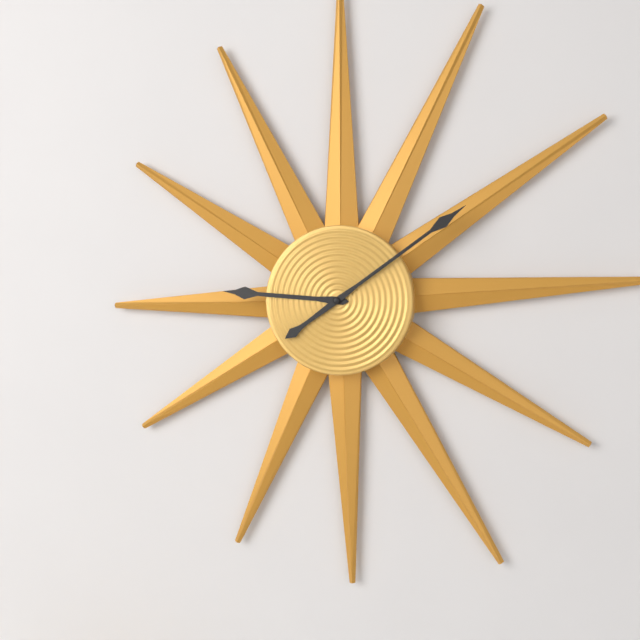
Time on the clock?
9:09
